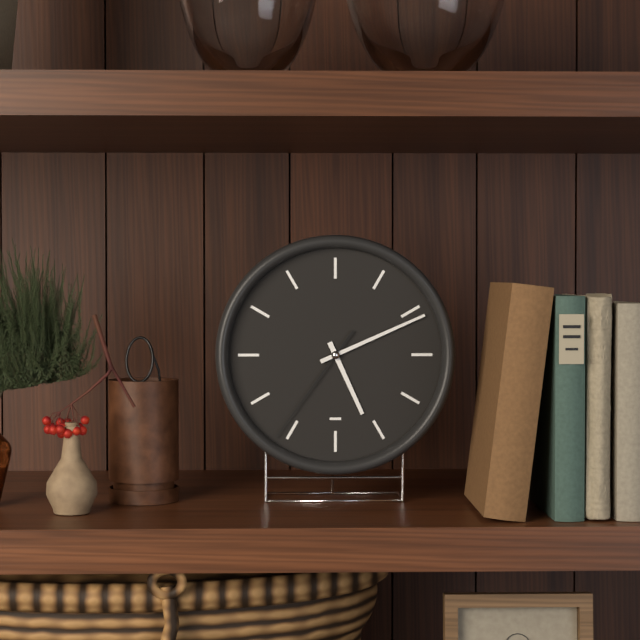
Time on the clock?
5:11:36
